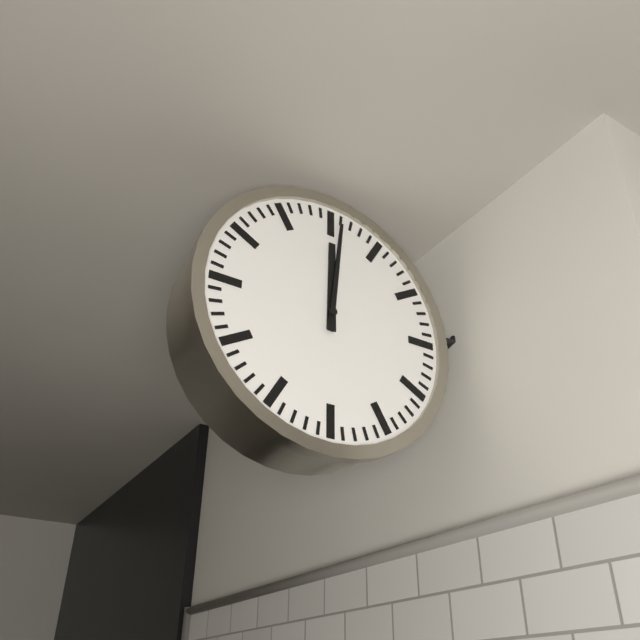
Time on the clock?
12:01
